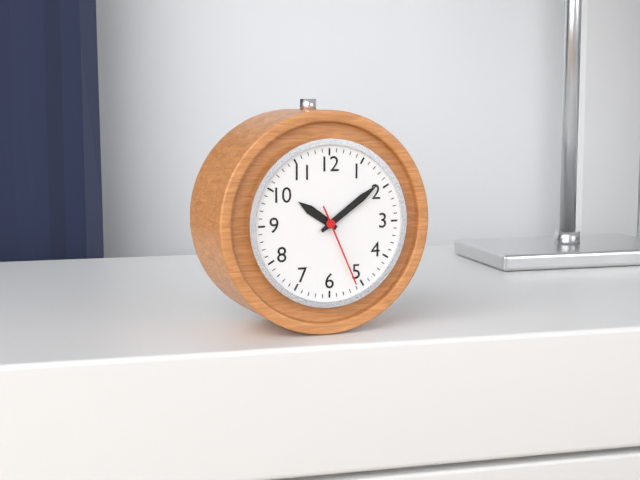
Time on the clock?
10:09:26
